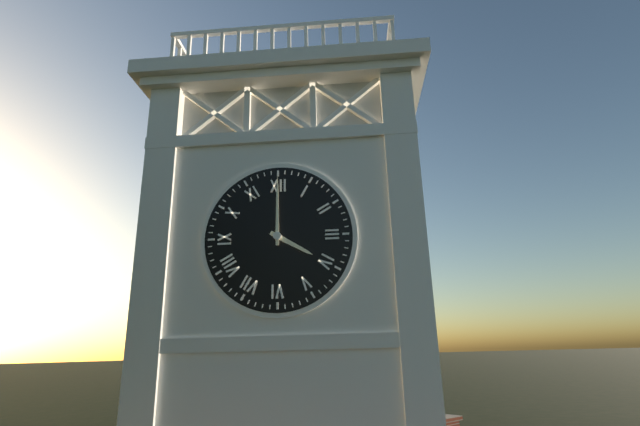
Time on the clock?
4:00
